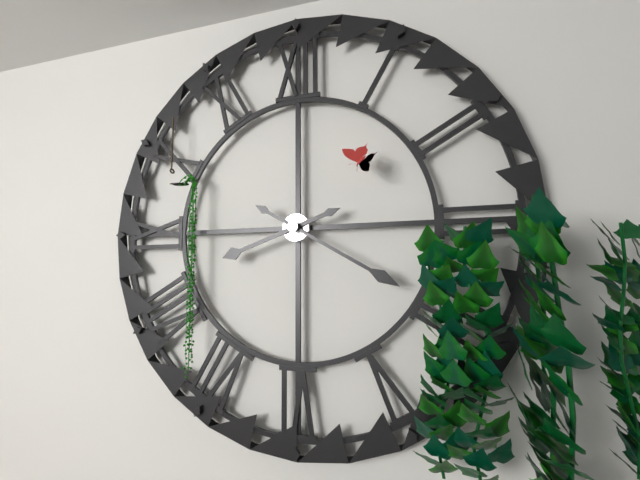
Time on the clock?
8:20
